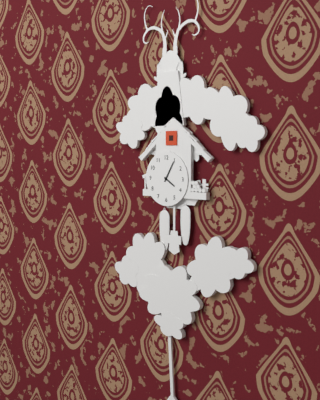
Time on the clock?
4:05
